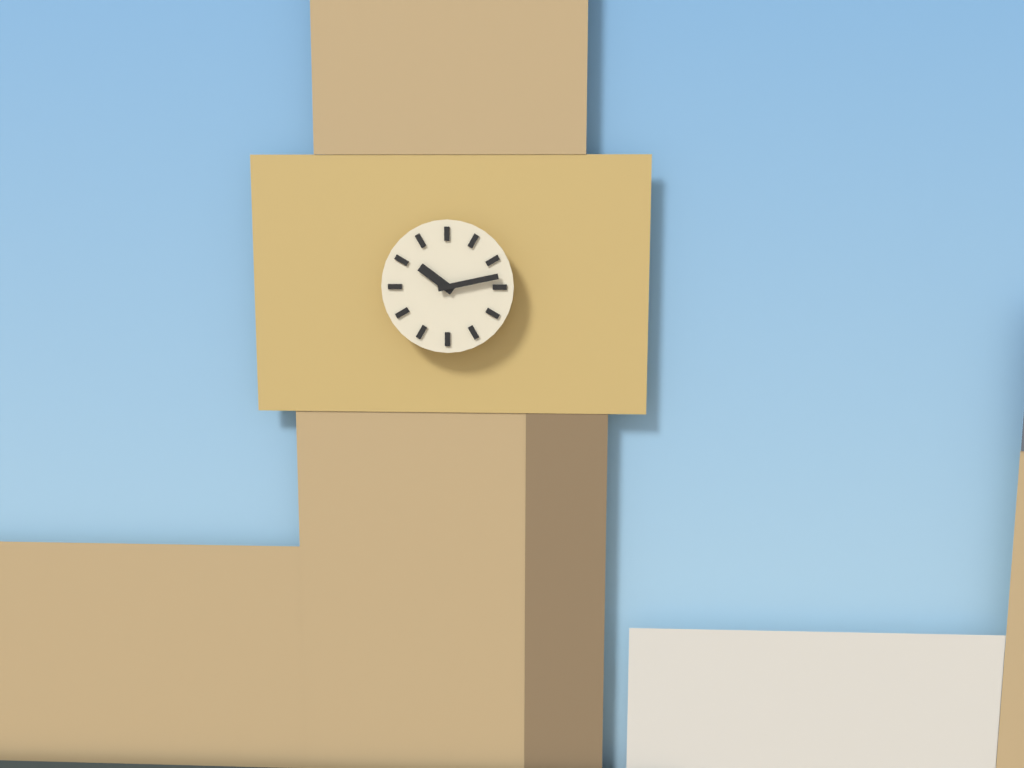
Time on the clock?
10:13
